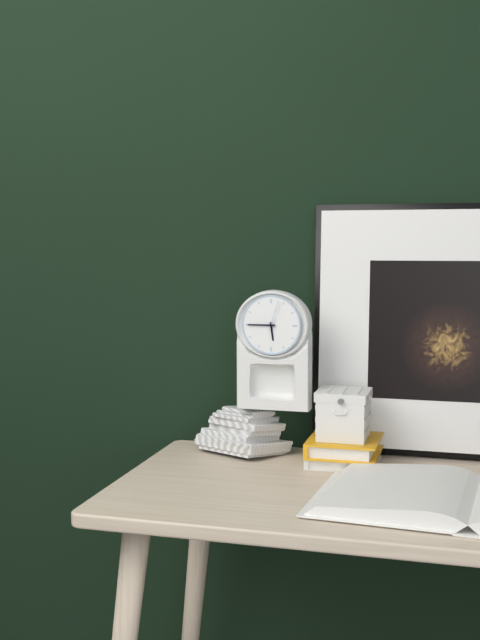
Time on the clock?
5:45
